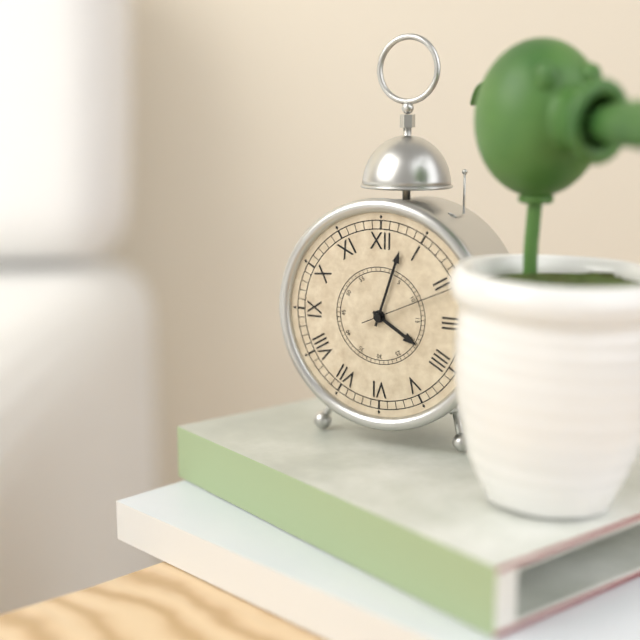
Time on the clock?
4:03:11
